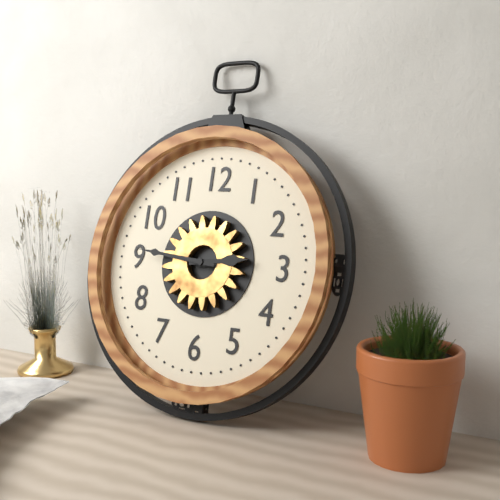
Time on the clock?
2:46
